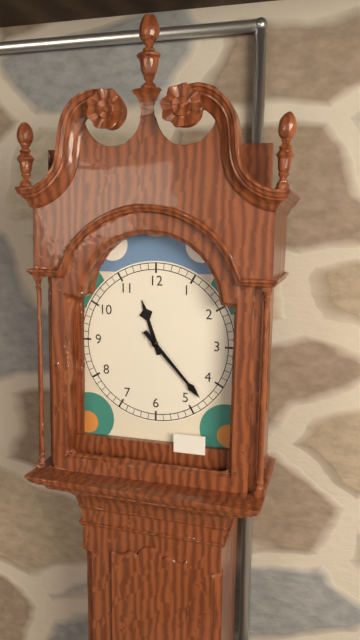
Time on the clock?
11:23
